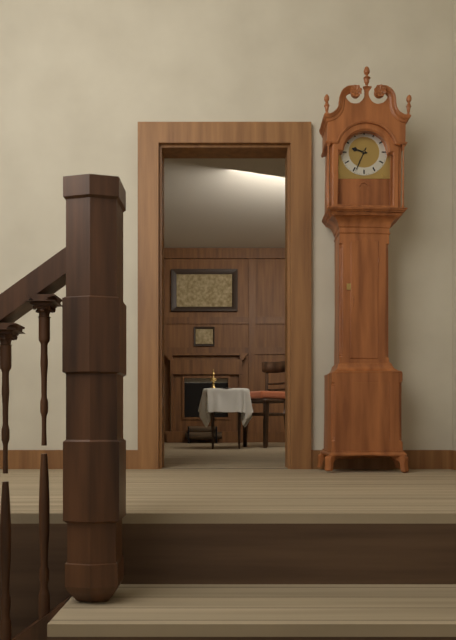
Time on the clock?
9:34
